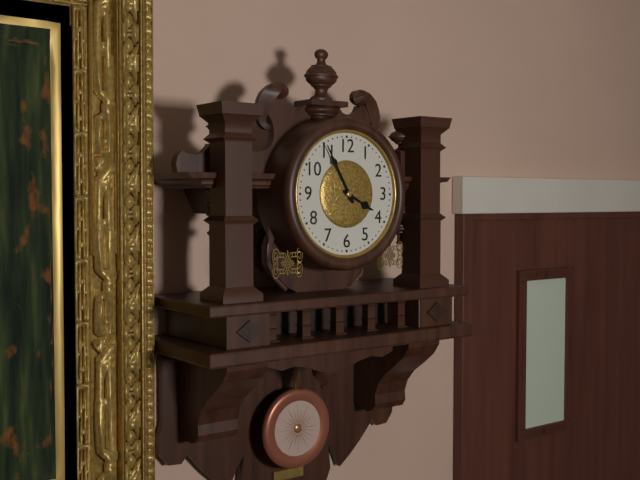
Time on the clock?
3:55
